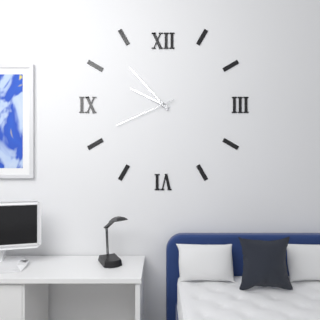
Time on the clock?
9:53:41
